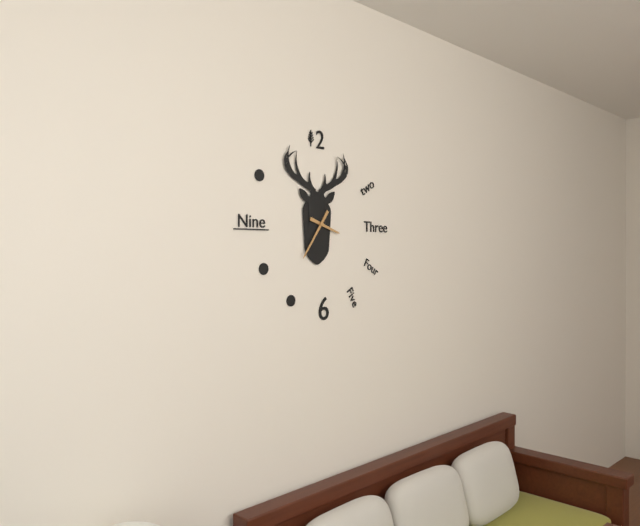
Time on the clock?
3:36
